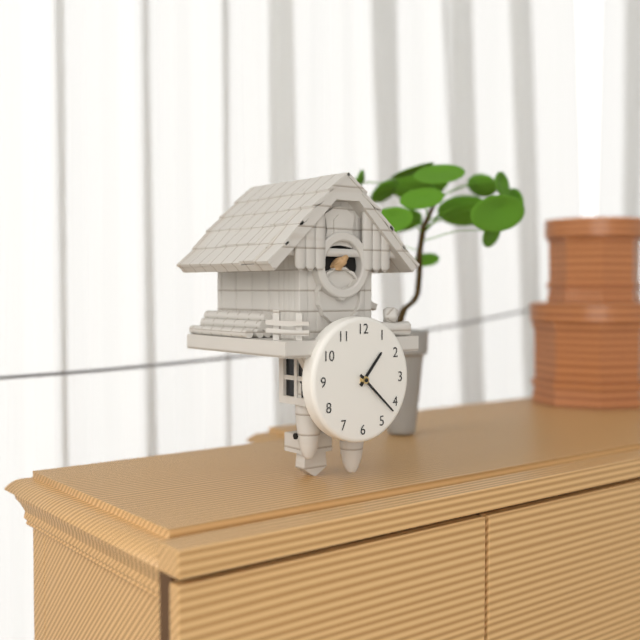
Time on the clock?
1:22
